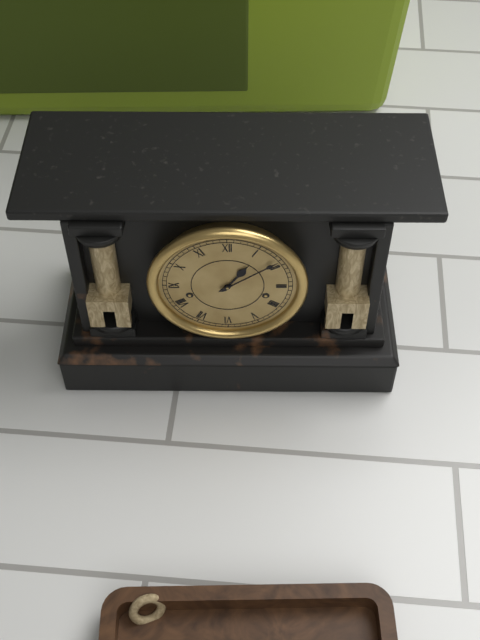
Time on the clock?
1:09
